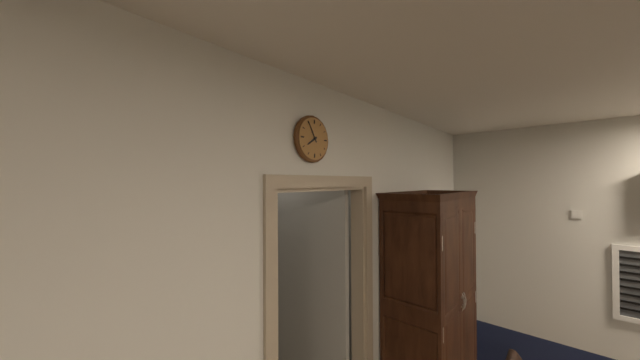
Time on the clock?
7:55
